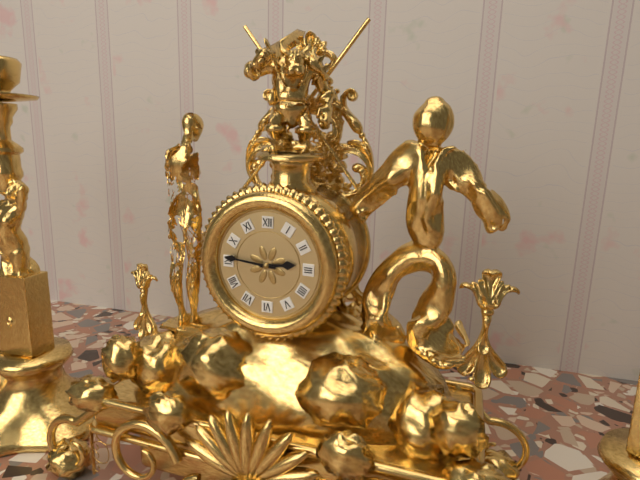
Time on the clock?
2:46
